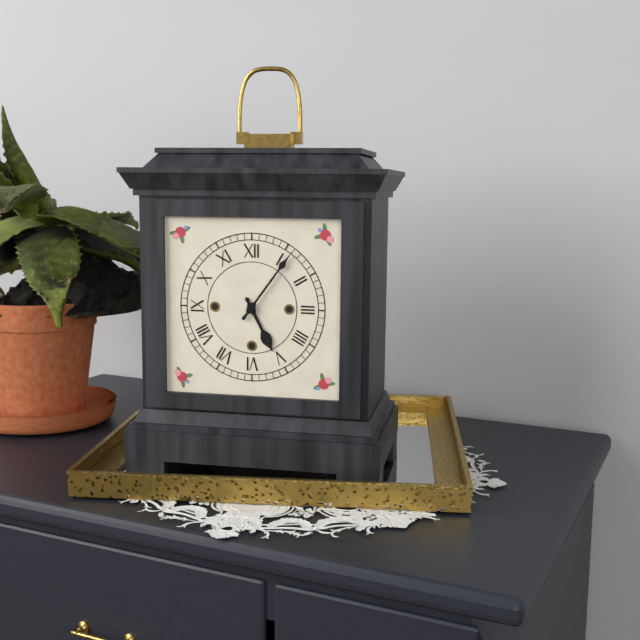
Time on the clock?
5:06
